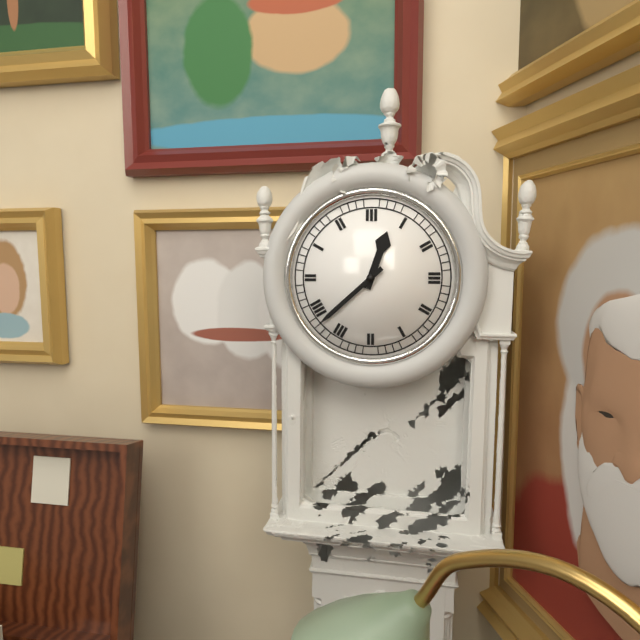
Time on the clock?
12:38
